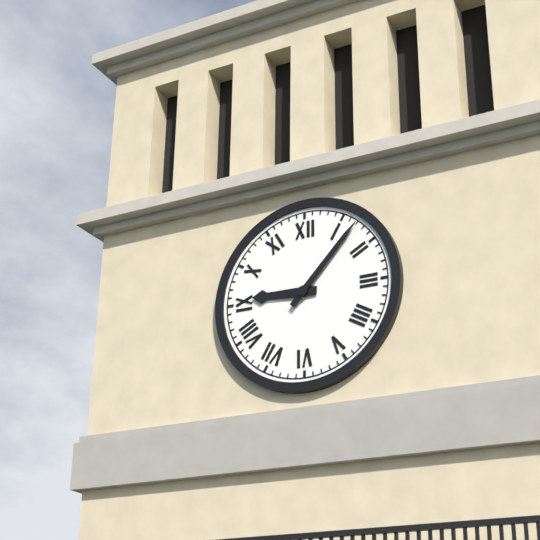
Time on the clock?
9:07
